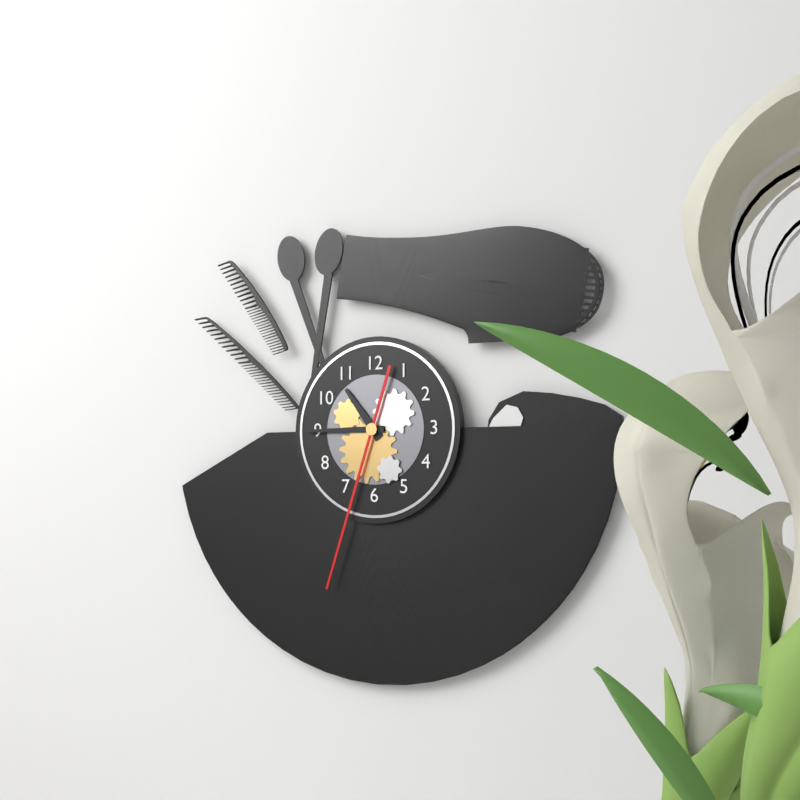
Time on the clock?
10:45:33
